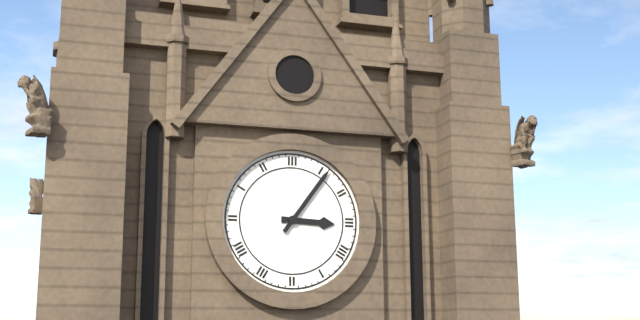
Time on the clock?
3:06
